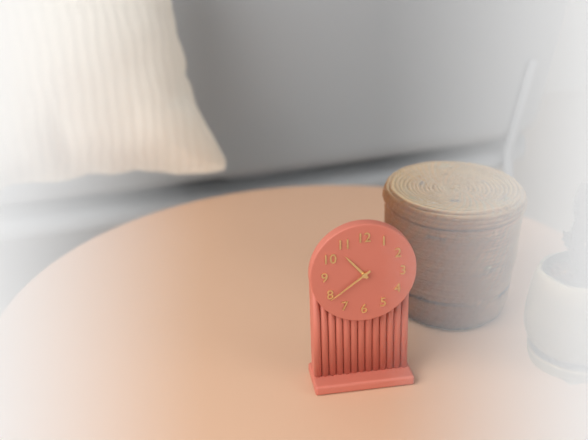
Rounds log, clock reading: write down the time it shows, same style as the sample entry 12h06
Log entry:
10h39
